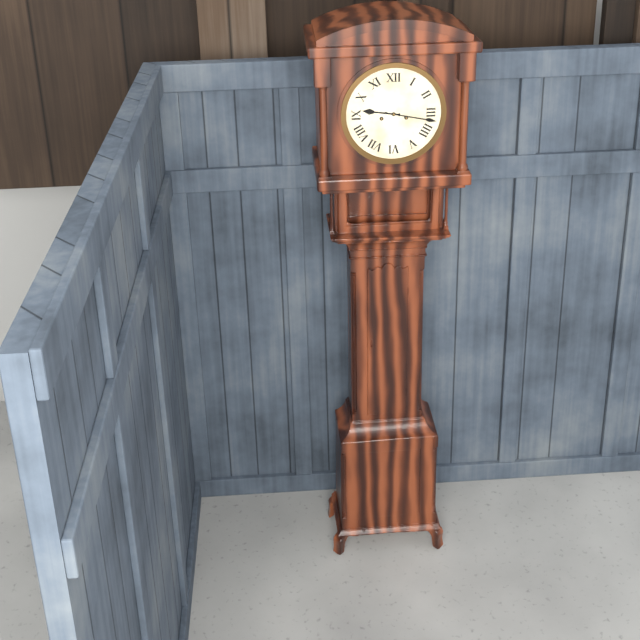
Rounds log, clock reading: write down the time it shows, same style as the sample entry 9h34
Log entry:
9h17
